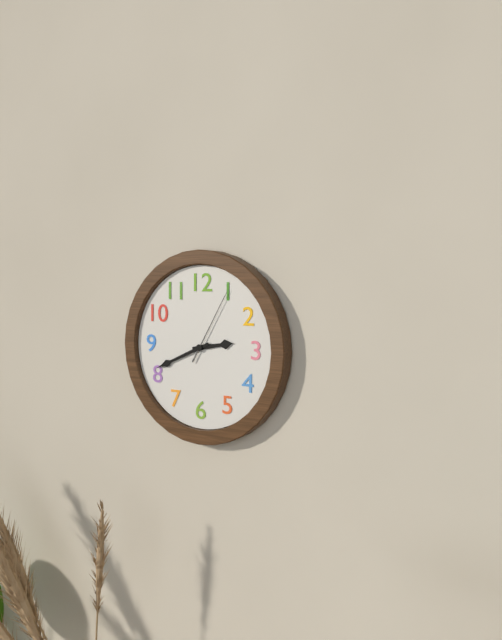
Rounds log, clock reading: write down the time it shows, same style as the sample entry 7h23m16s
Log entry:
2h41m05s
